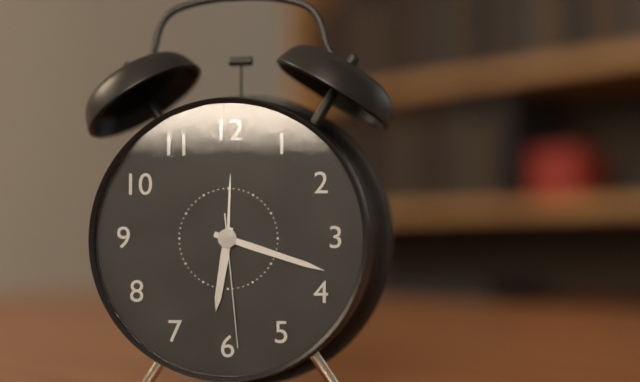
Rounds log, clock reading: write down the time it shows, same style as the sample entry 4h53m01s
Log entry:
6h18m29s
